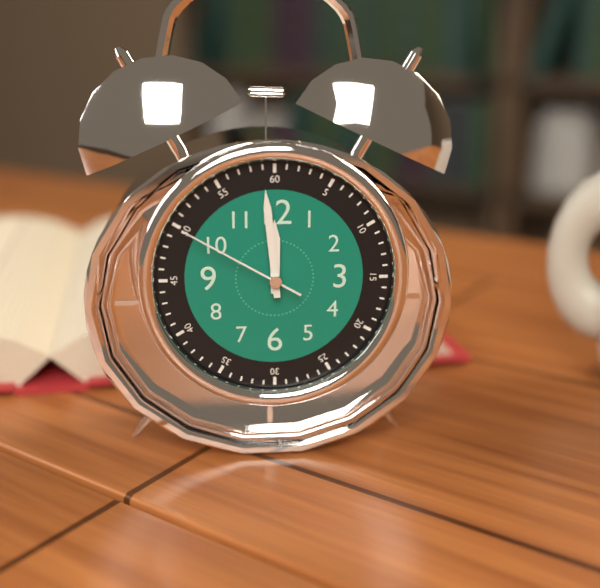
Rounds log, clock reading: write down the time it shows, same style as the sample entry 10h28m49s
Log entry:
11h59m50s
